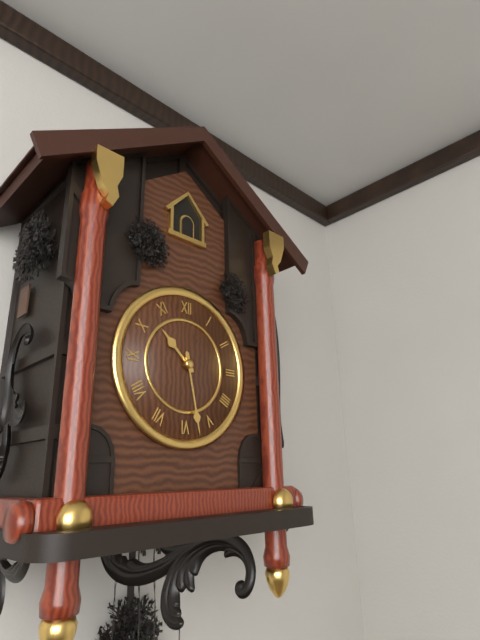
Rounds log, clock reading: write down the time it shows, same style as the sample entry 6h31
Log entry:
10h28
